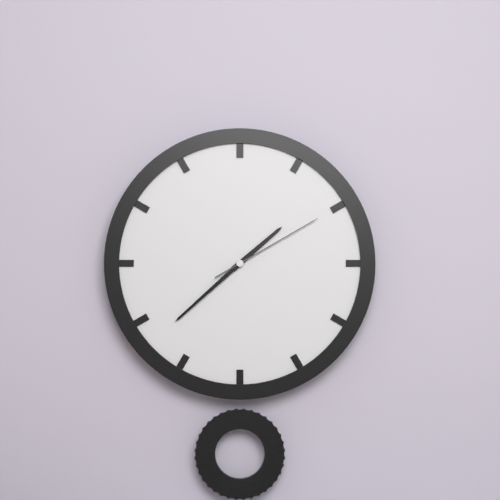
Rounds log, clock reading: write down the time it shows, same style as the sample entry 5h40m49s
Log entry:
1h38m10s
